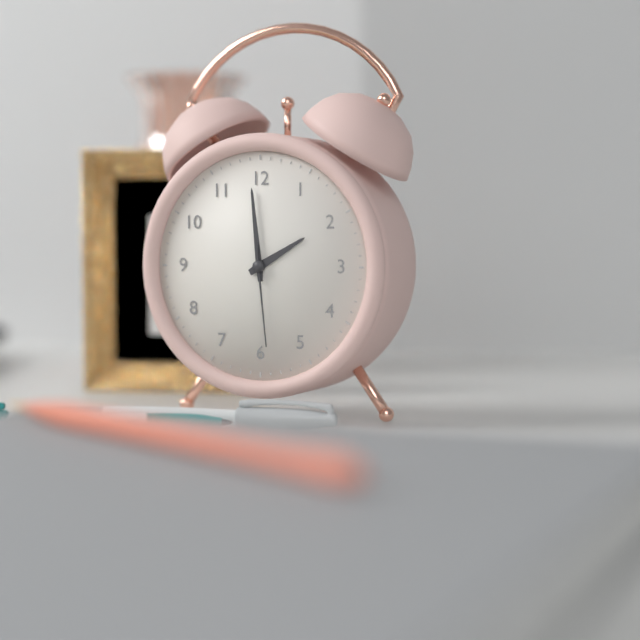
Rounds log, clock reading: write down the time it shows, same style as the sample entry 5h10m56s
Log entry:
1h59m29s
